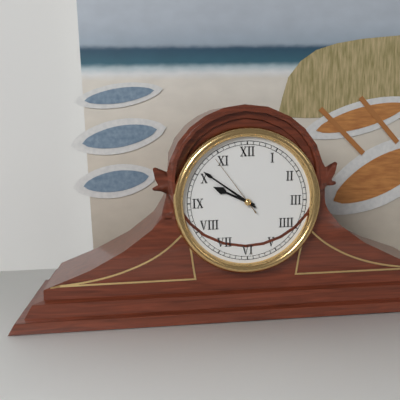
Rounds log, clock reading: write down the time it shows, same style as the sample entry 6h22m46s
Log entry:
9h51m54s
